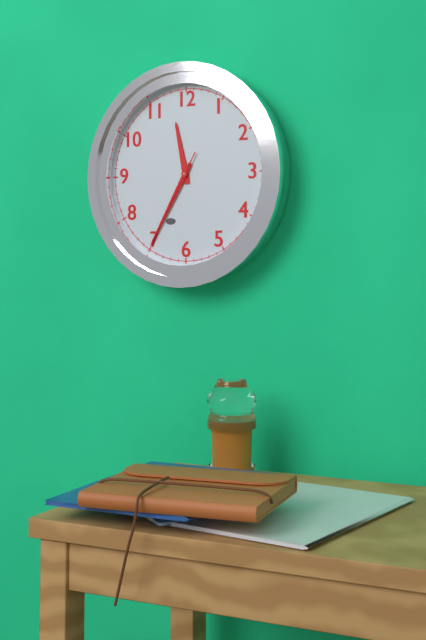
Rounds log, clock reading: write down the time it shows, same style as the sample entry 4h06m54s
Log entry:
11h35m35s
